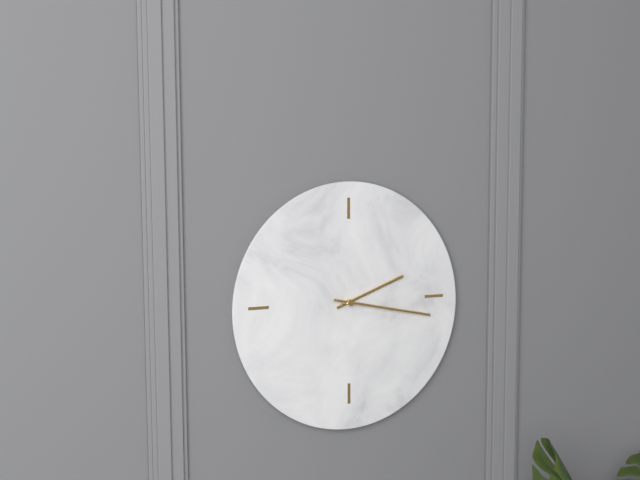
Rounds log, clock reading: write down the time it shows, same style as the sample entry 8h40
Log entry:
2h17
